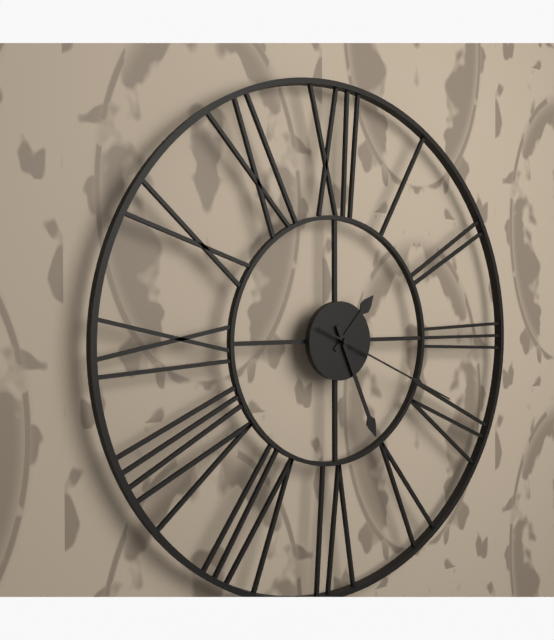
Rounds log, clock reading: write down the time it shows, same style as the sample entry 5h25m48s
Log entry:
1h26m19s
